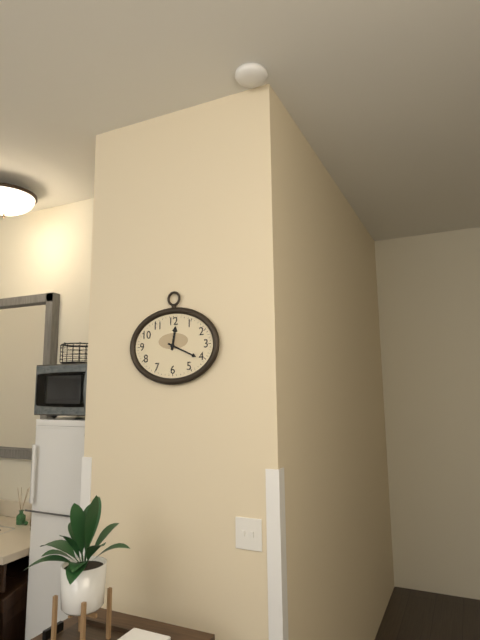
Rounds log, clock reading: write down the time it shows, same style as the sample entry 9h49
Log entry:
12h19
